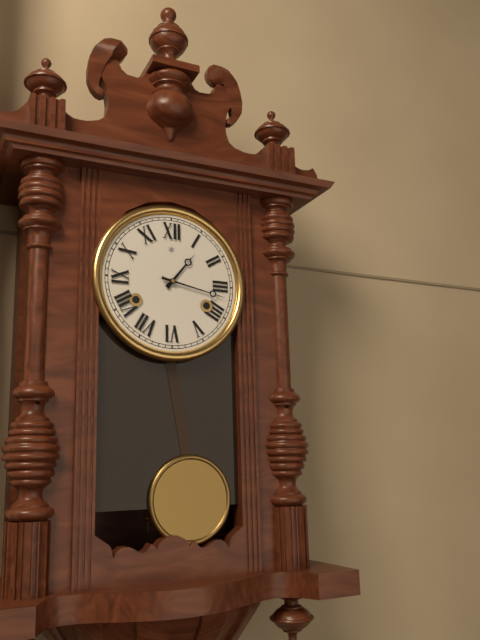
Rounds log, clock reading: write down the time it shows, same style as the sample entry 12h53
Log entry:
1h17
